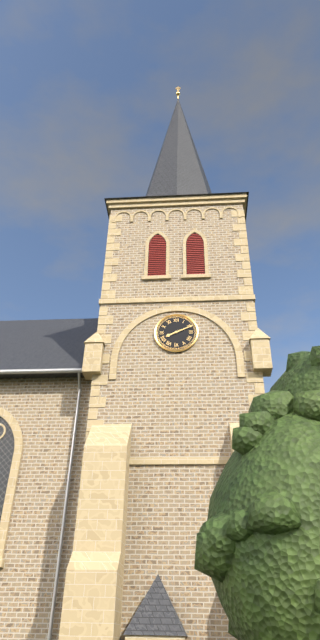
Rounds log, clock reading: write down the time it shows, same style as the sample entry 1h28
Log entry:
8h11
